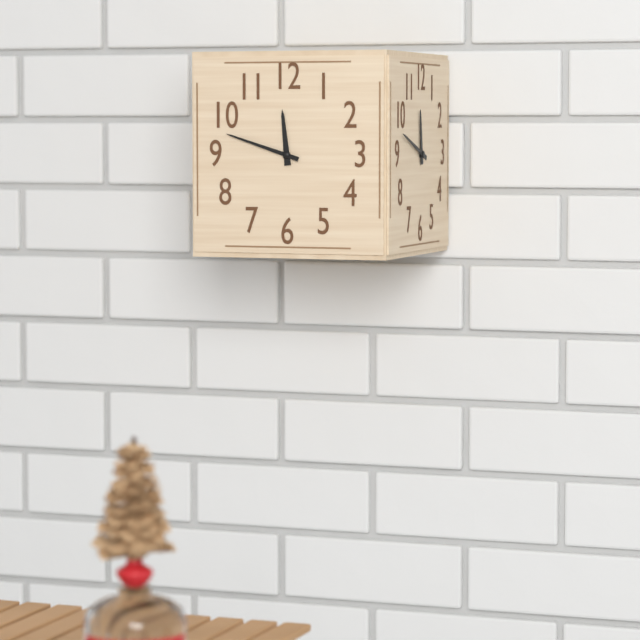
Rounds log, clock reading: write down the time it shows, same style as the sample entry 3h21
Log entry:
11h48
